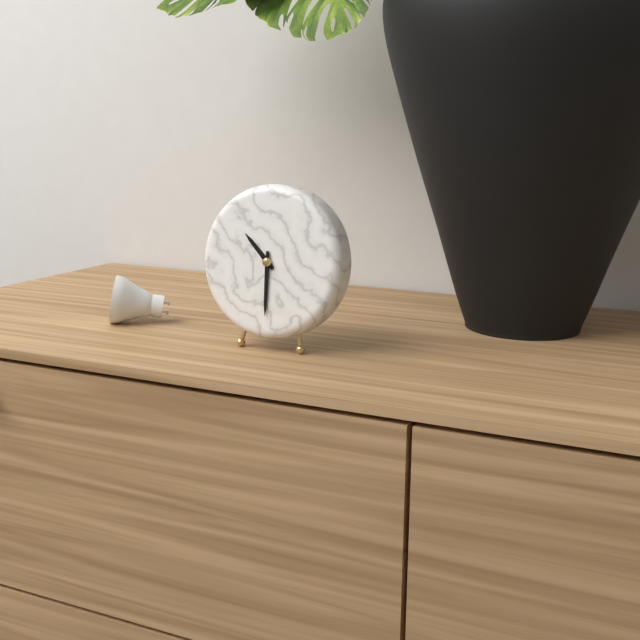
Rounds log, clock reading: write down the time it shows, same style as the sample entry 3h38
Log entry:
10h30
